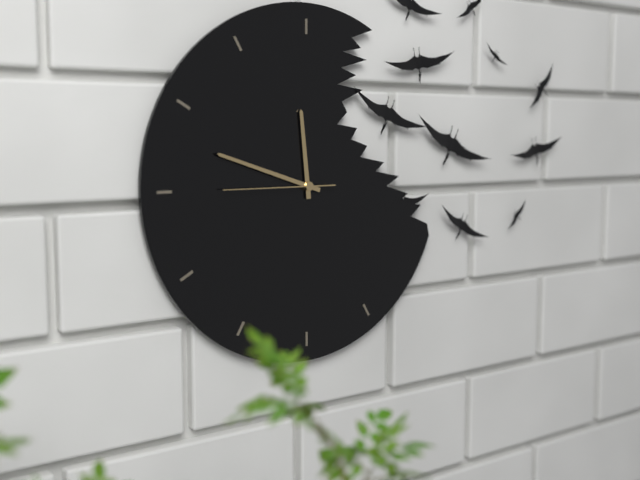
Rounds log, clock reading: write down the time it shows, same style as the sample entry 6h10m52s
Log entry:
11h48m45s
